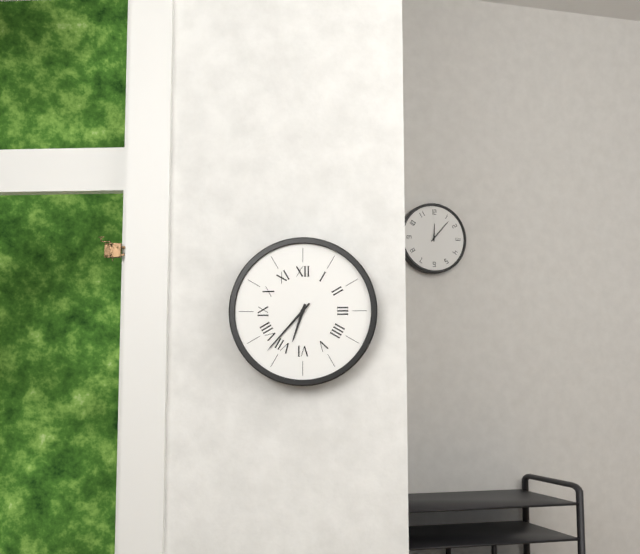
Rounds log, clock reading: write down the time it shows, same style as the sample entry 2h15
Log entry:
6h37
